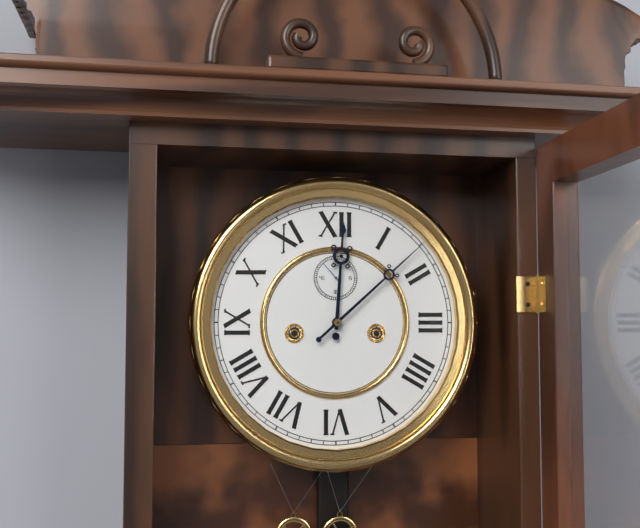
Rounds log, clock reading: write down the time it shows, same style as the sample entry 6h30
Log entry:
12h08
